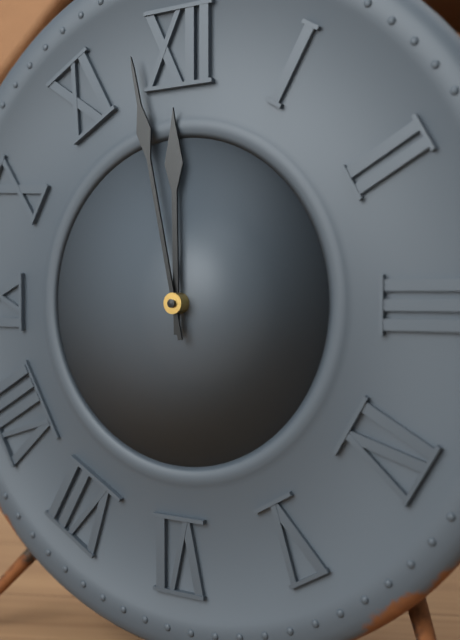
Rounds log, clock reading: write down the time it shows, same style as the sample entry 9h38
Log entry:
11h58
